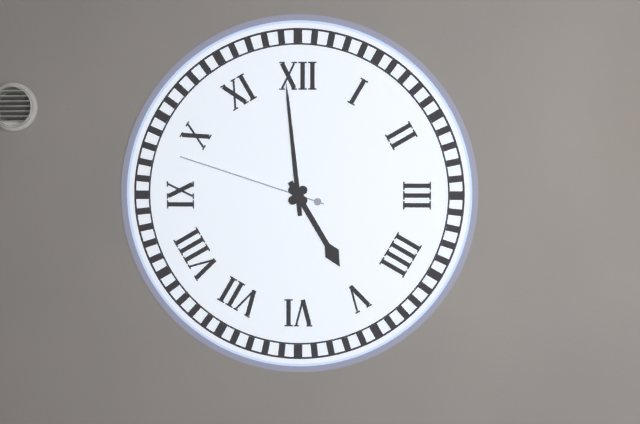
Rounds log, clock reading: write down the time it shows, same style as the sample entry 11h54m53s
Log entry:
4h59m48s
